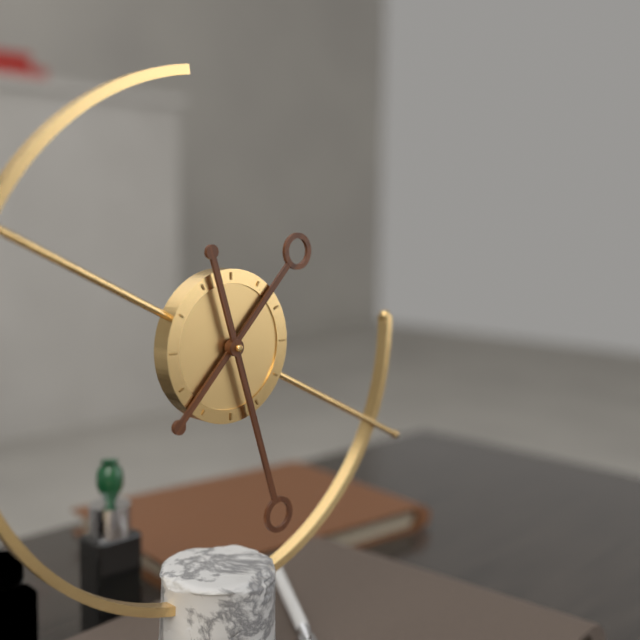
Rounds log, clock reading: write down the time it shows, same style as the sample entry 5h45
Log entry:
1h27
